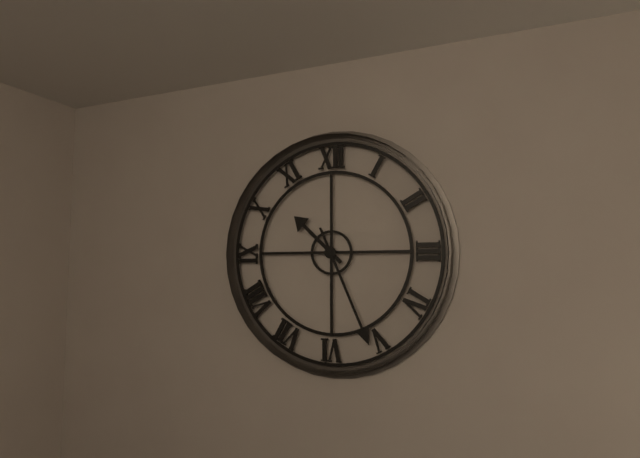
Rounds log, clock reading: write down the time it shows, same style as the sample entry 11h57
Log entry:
10h26
